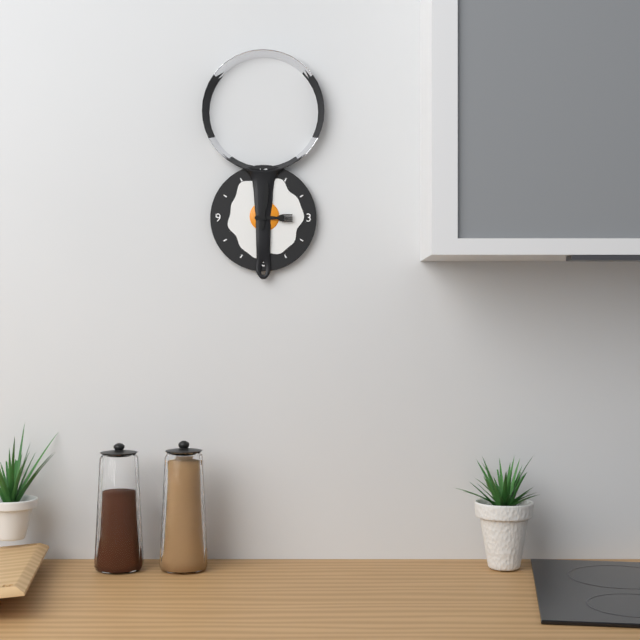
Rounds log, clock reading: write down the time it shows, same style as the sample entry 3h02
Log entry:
3h01
